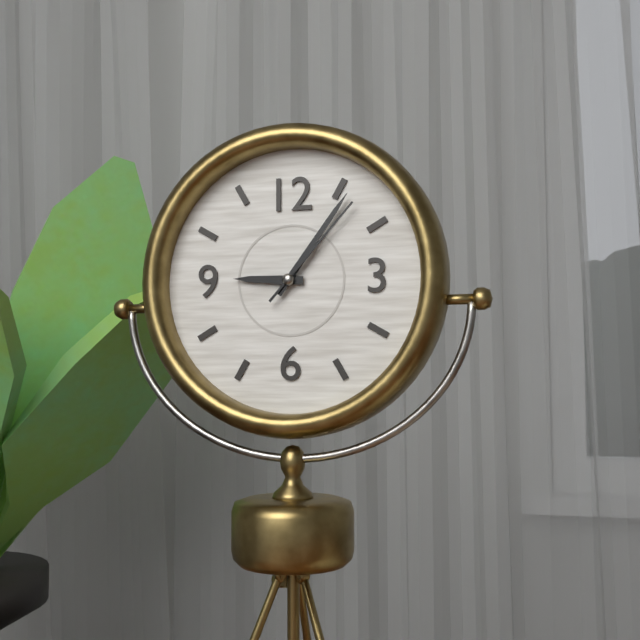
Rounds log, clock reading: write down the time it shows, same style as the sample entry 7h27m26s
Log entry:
9h06m07s
